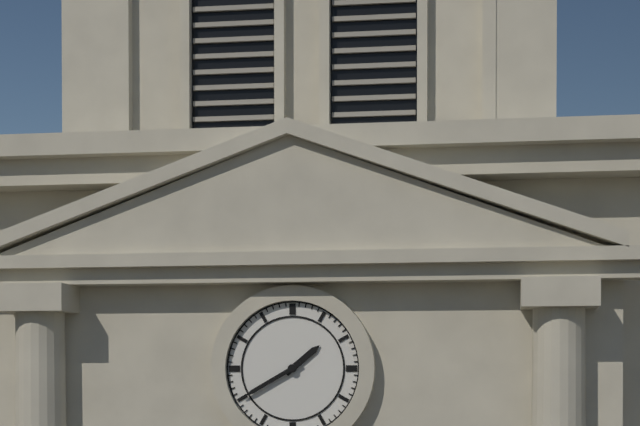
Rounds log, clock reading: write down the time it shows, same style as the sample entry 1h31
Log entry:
1h40
